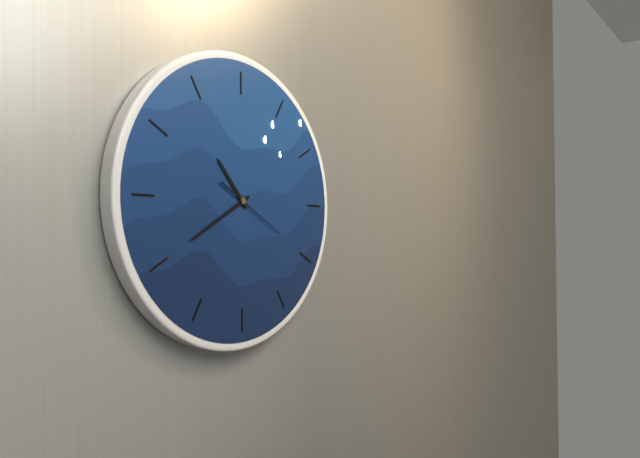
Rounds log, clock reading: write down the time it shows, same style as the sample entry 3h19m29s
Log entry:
10h40m20s
